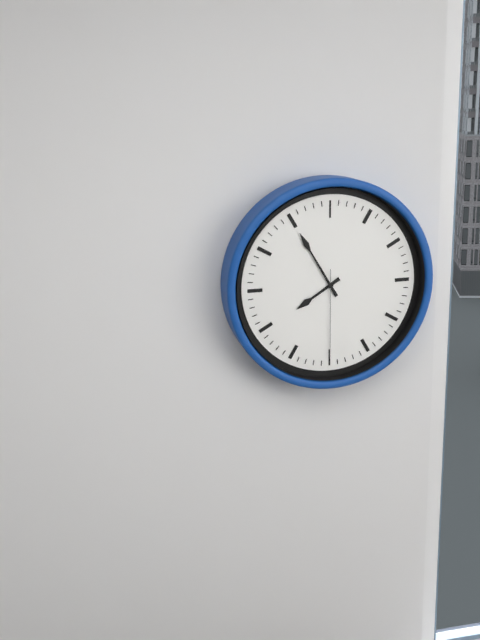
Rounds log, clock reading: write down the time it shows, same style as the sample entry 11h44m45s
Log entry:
7h55m30s
